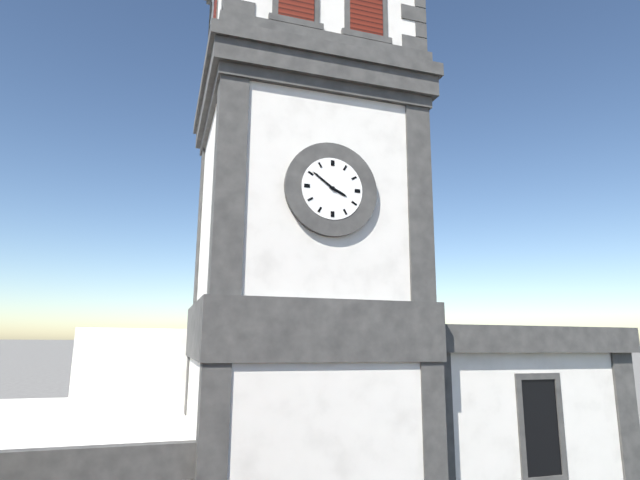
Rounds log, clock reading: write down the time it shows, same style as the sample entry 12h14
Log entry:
3h51
